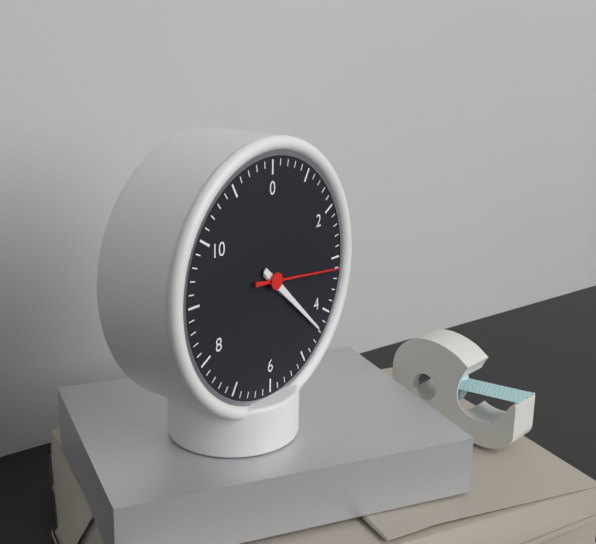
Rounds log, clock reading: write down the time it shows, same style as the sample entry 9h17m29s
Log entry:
4h22m16s
